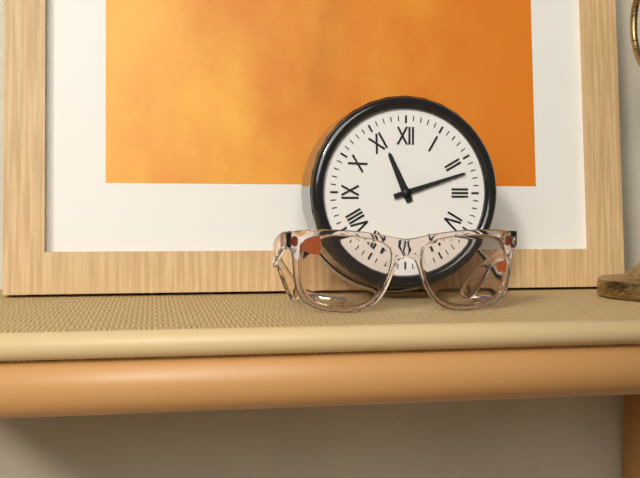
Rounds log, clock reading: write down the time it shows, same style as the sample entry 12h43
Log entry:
11h12
